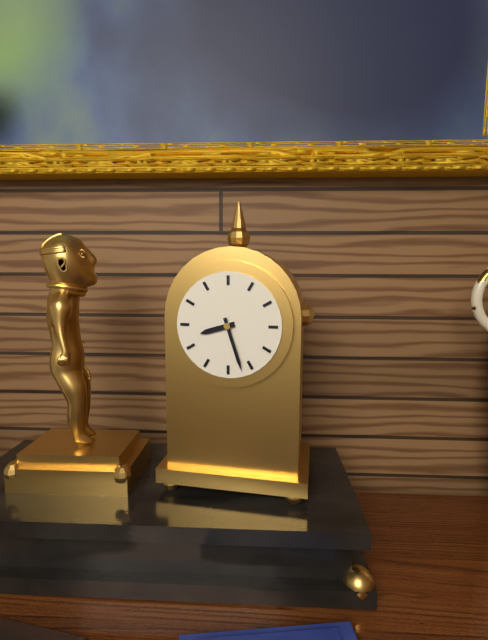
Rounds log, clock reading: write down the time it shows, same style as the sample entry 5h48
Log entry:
8h27
